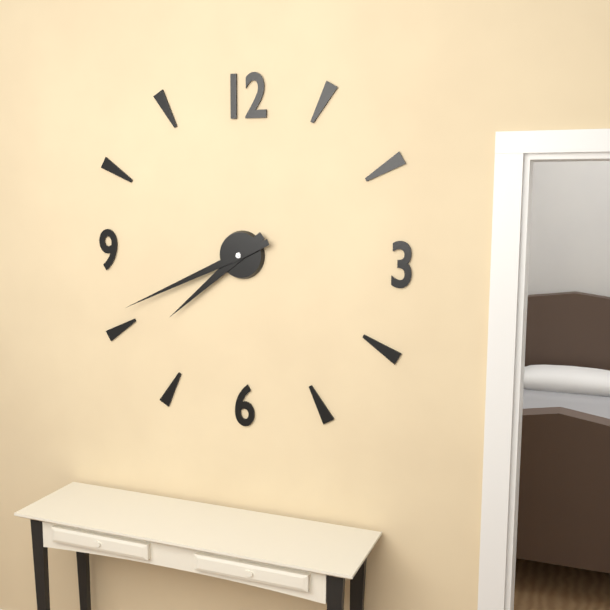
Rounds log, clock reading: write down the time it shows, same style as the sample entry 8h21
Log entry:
7h41
